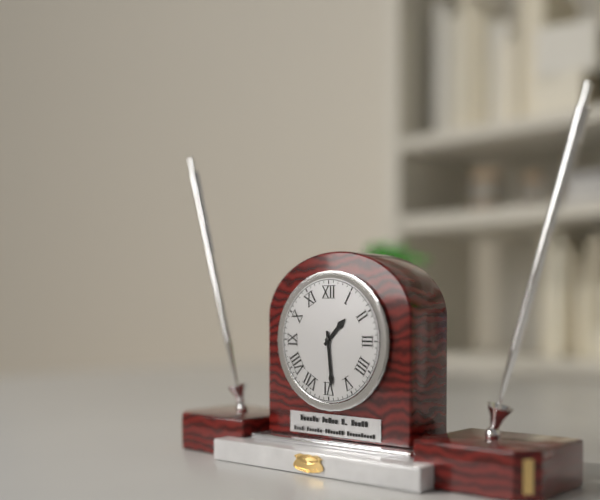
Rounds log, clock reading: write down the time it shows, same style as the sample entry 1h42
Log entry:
1h29
